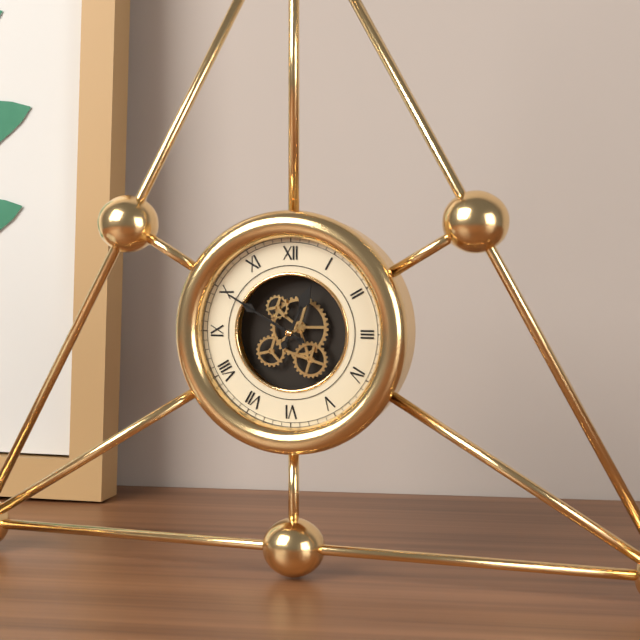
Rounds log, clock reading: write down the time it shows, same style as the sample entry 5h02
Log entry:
12h50
